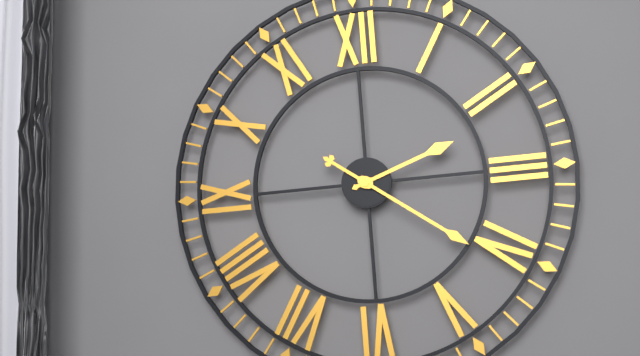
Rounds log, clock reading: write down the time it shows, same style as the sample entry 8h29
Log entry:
2h21
